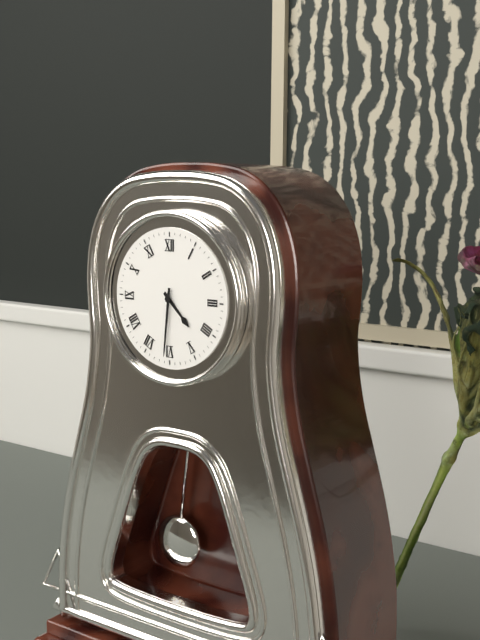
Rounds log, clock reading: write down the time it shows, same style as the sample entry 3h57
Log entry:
4h31
